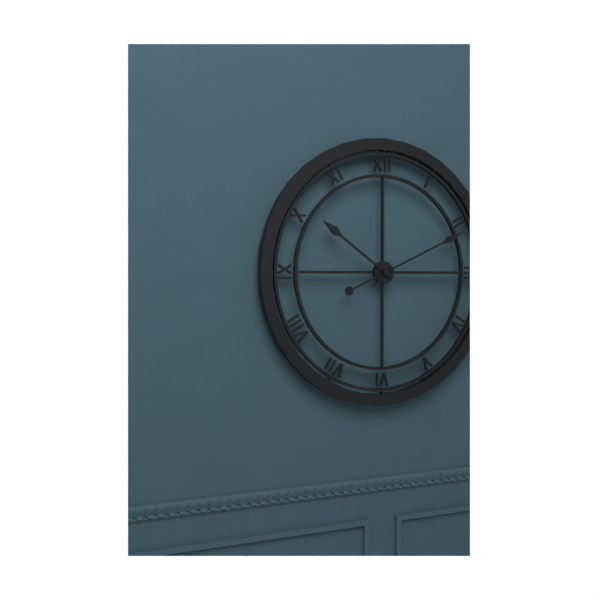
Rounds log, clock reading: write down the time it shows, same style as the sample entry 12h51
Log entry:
10h11
